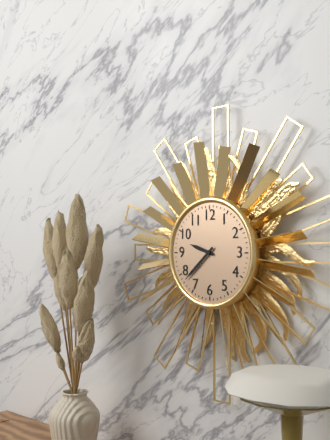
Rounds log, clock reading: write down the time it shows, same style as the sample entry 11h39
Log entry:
9h38
